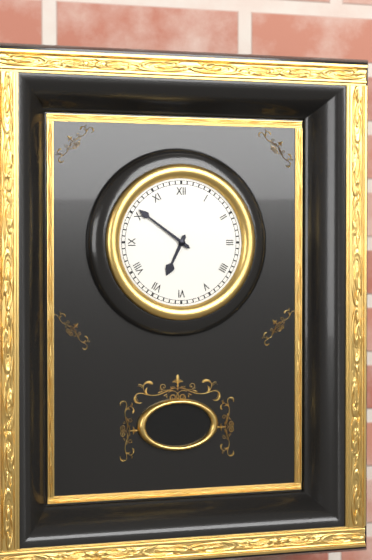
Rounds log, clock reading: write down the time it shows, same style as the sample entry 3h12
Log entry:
6h51
